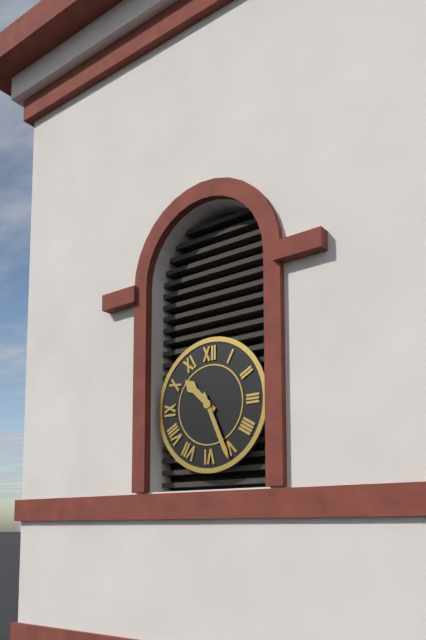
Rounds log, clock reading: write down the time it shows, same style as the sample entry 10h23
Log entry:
10h26
